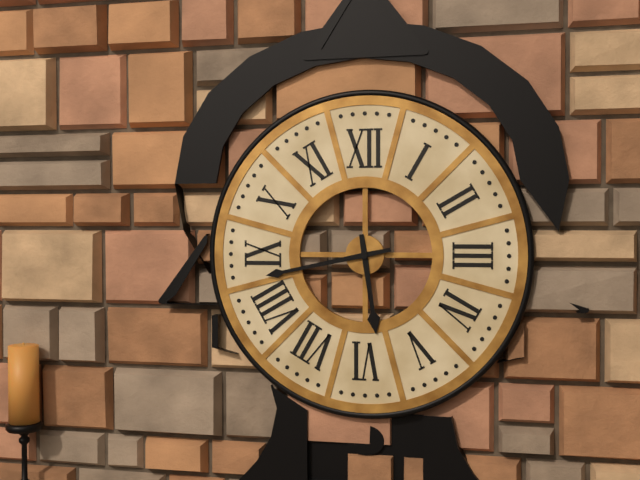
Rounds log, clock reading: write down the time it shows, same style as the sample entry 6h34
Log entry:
5h43
